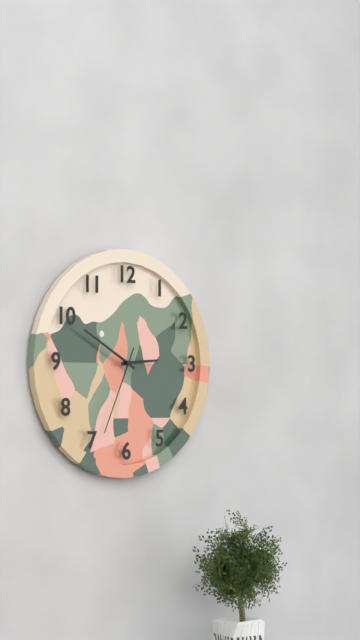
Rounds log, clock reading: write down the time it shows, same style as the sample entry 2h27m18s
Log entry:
2h50m34s
